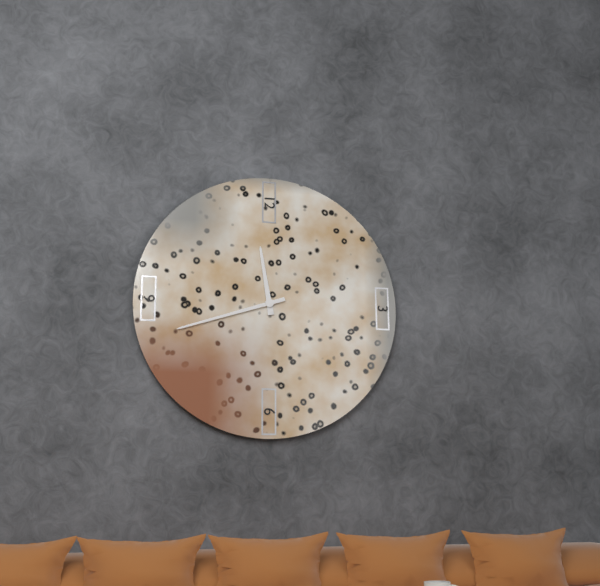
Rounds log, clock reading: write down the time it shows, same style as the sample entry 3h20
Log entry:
11h42
